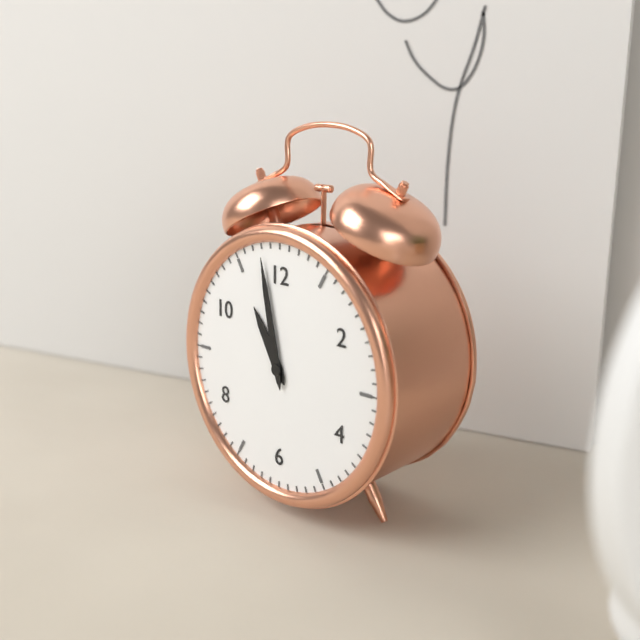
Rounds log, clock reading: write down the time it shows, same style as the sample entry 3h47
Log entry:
10h58
